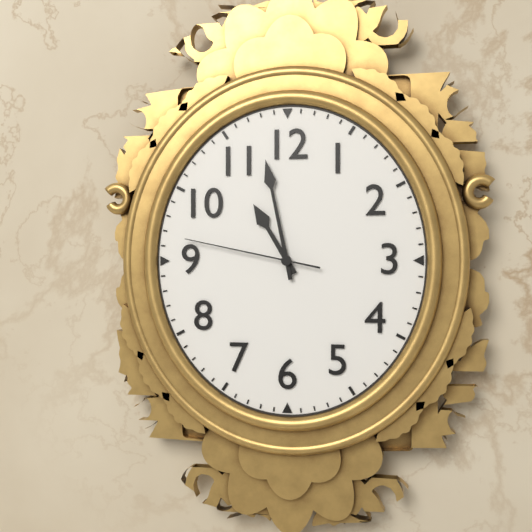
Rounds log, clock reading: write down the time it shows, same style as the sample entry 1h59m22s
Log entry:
10h58m47s
